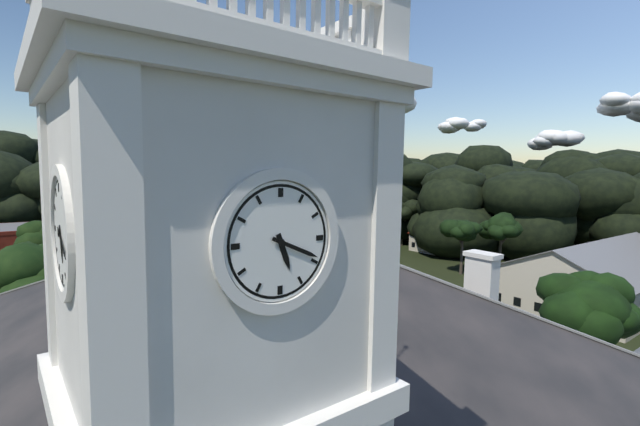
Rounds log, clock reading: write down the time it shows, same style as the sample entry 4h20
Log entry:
5h19
